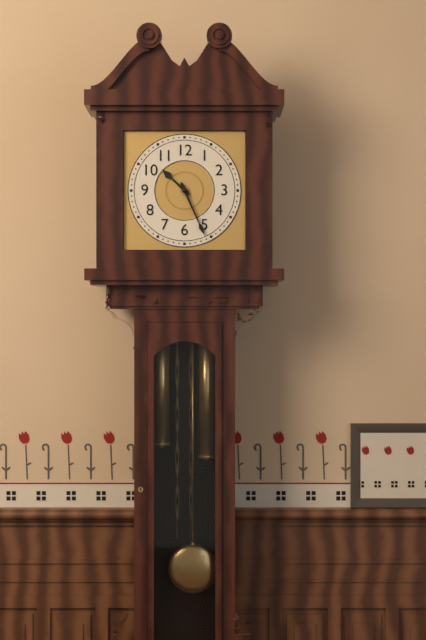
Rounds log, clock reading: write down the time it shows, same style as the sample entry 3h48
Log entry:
10h26
